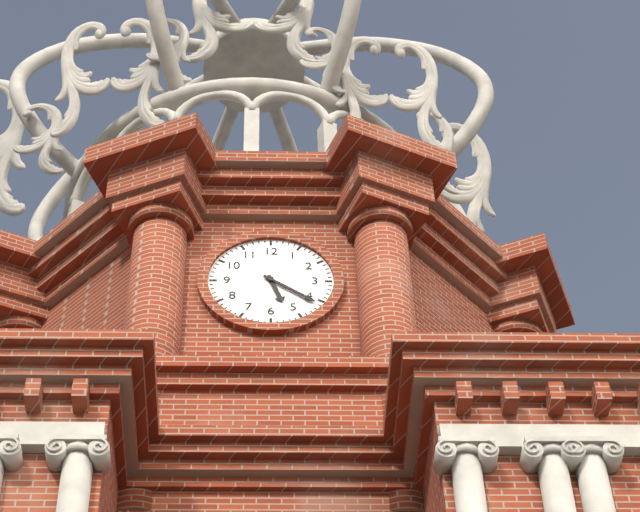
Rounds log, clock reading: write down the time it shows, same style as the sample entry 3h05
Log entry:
5h21
